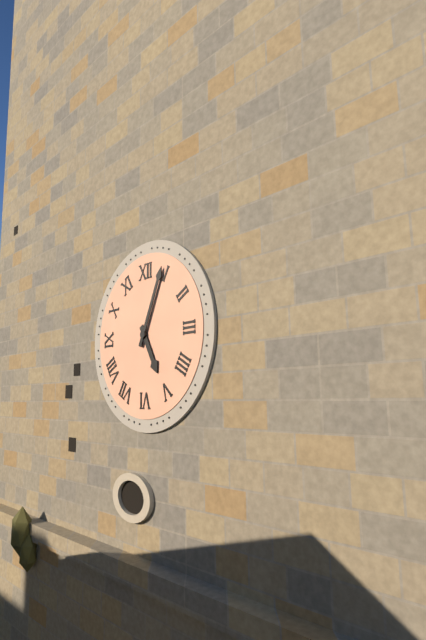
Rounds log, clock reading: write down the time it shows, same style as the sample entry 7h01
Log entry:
5h04
